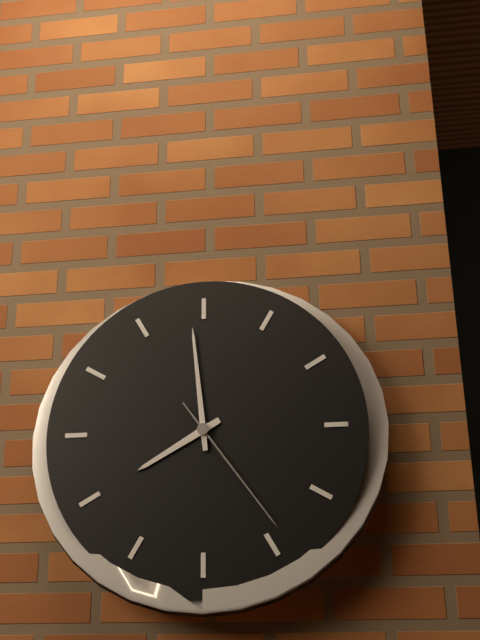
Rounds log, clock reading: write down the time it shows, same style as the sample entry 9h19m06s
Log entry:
7h59m24s
